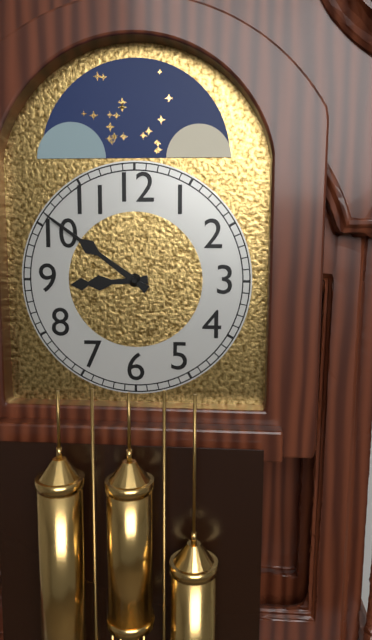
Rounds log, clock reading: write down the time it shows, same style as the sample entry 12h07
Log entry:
8h51
